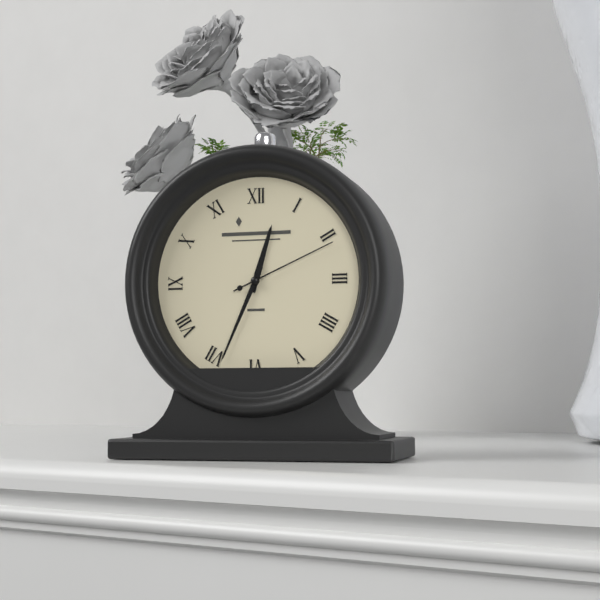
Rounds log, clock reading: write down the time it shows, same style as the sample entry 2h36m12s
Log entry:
12h34m11s
